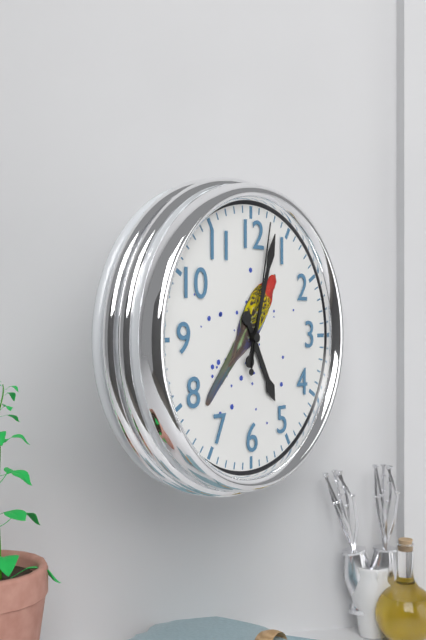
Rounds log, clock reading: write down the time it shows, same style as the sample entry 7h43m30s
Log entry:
5h03m02s
